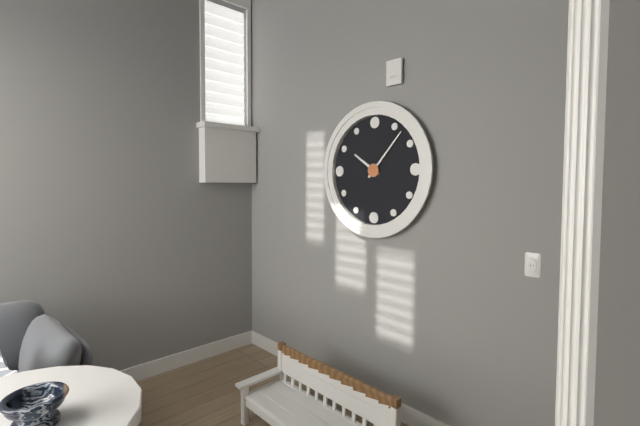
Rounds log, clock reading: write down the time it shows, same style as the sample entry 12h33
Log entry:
10h07
